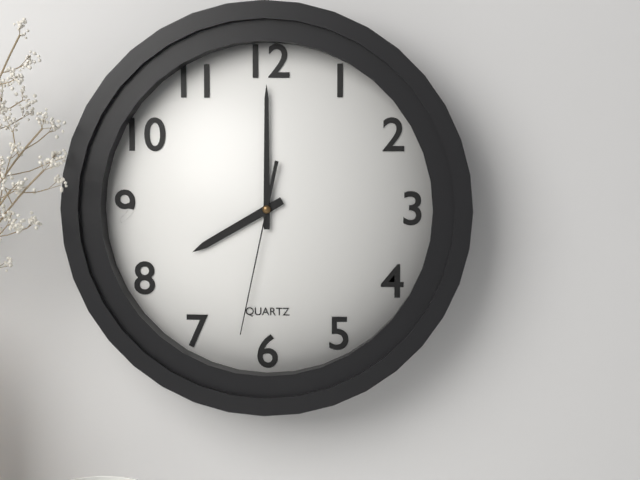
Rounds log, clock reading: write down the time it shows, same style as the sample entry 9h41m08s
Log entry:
8h00m32s
